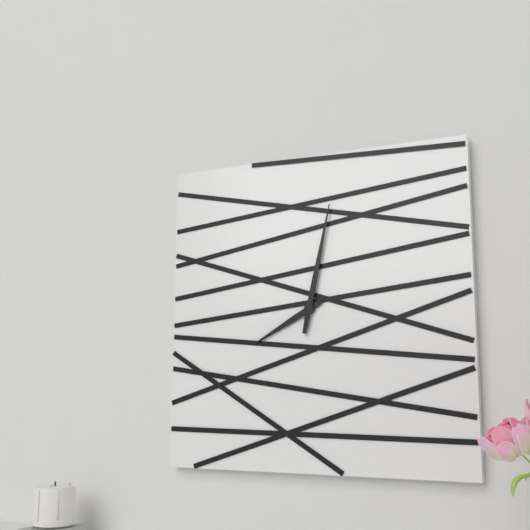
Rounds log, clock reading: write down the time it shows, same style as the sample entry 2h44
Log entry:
8h02
